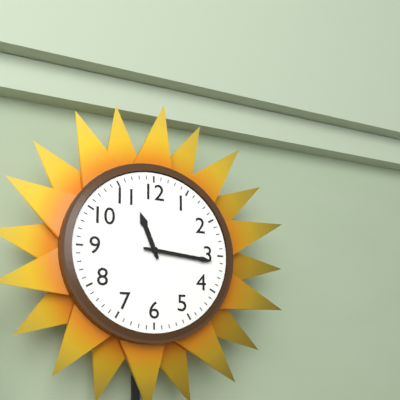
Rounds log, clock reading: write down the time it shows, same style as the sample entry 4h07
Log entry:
11h16
